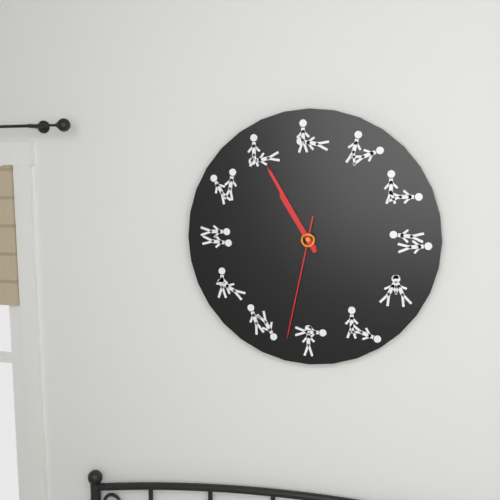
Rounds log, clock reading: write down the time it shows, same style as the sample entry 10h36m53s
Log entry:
10h55m32s
